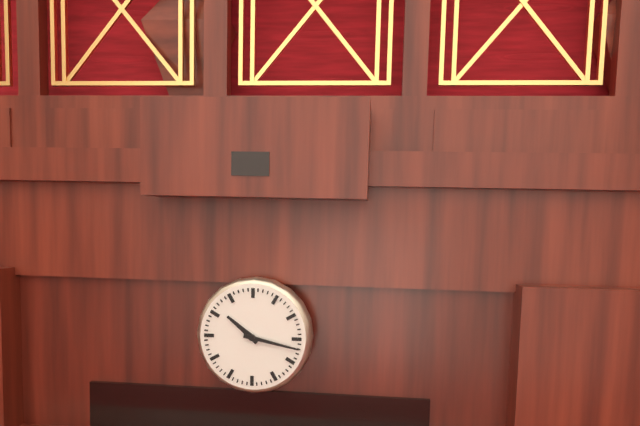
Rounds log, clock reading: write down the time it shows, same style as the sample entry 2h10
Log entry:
10h17
